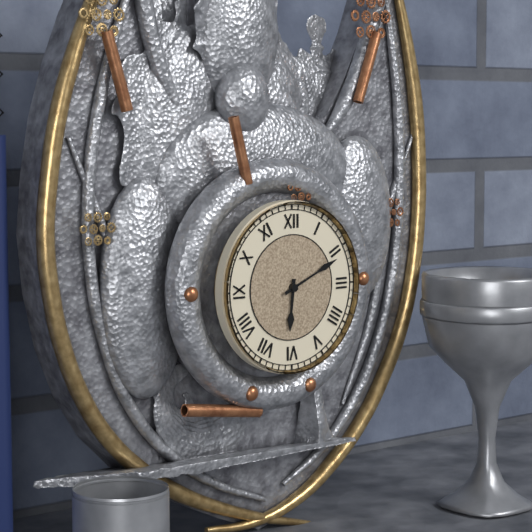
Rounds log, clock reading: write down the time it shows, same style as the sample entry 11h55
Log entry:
6h11
